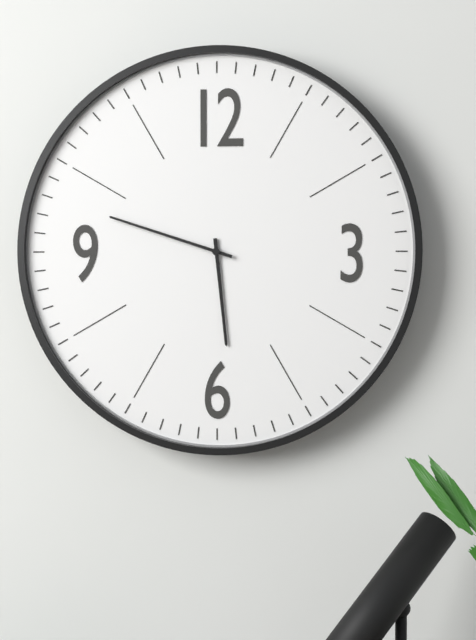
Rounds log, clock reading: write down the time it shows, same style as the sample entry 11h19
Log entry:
5h48
